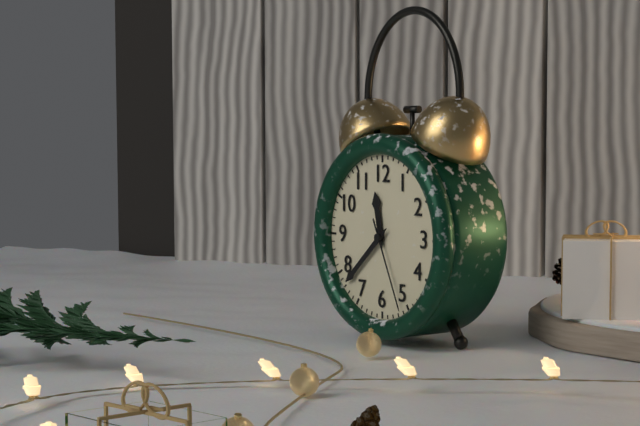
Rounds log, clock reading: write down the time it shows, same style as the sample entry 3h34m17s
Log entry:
11h38m26s
